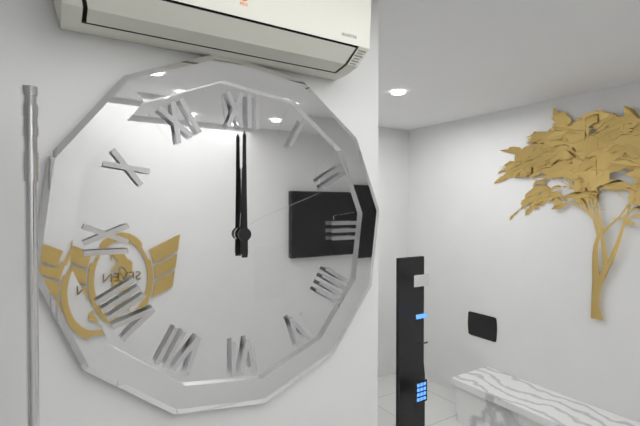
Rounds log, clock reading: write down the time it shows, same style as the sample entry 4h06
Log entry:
12h00
